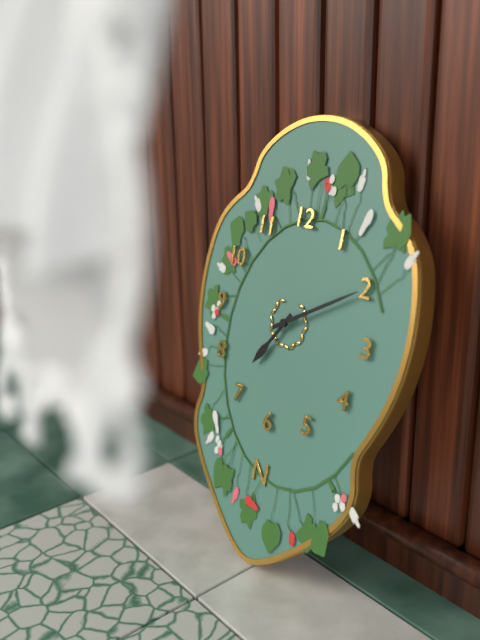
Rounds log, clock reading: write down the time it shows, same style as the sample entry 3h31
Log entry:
7h10
